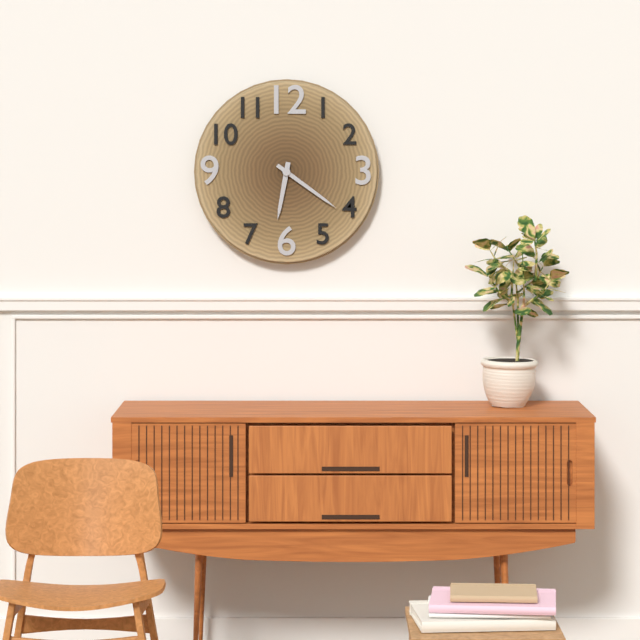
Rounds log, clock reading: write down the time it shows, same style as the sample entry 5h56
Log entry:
6h21
